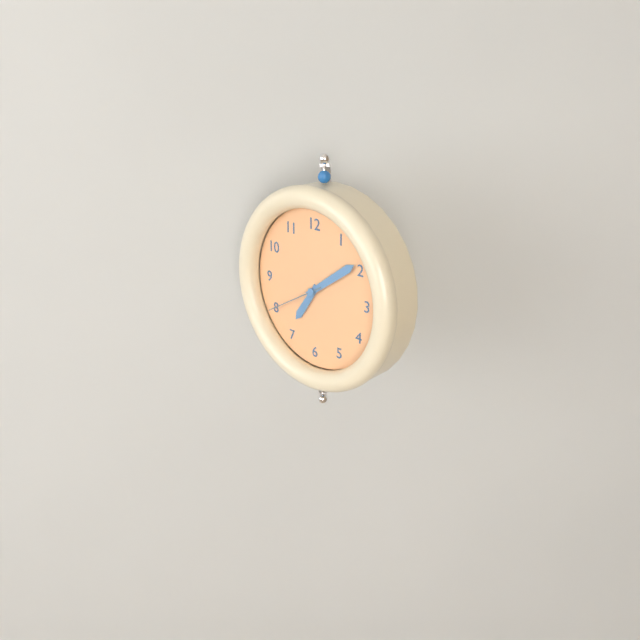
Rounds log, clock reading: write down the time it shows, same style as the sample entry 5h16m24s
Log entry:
7h09m40s
